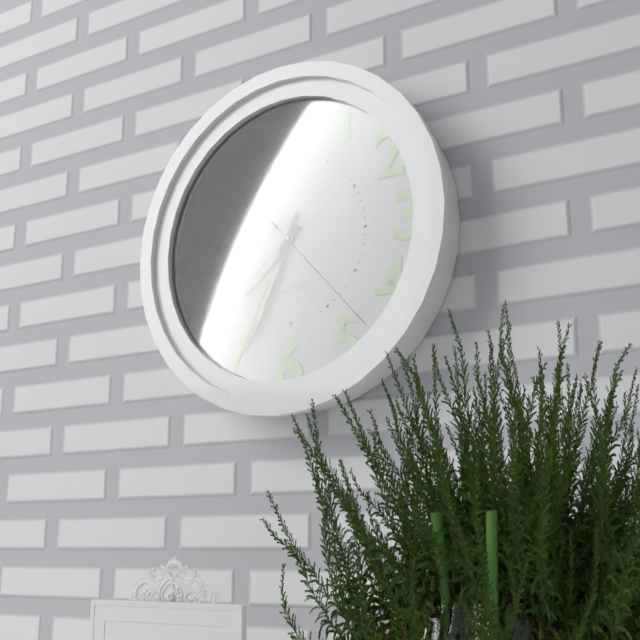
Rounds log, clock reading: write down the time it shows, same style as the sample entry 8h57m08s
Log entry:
7h34m23s
